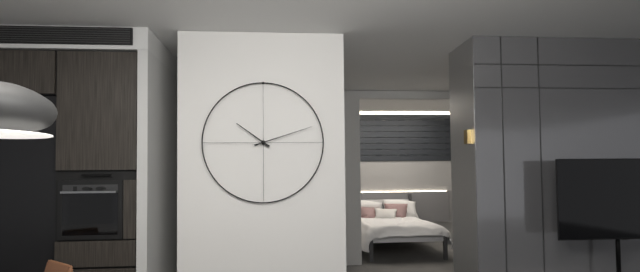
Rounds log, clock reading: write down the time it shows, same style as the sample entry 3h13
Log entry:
10h12
